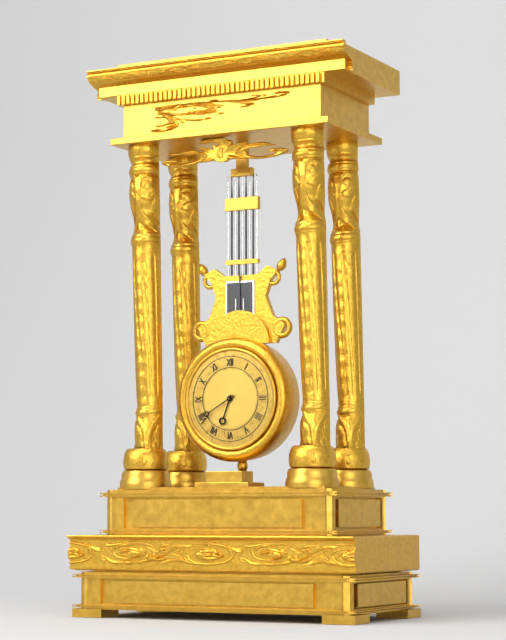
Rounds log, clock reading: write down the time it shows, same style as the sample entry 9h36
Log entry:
6h40
